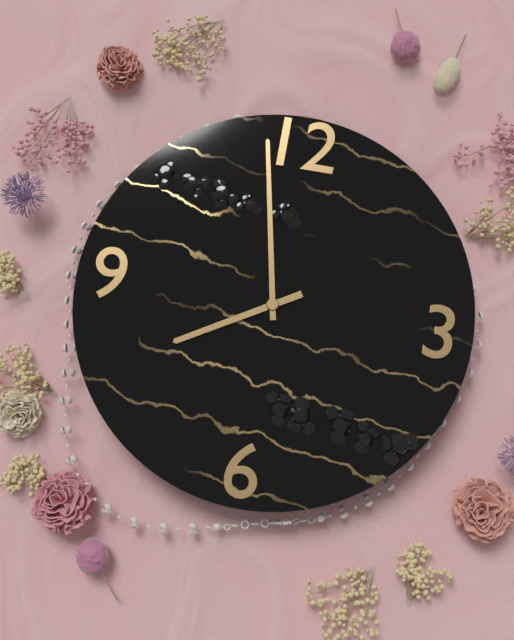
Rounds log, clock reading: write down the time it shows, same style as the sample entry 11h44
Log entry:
7h58
